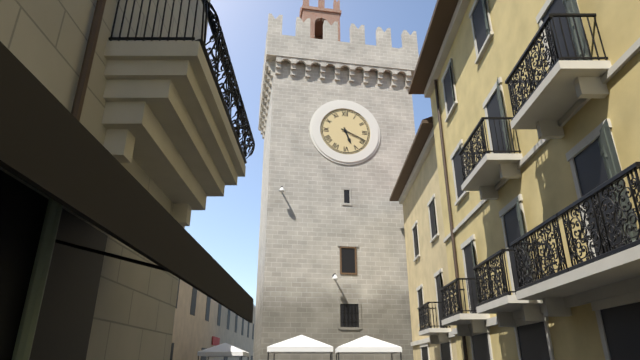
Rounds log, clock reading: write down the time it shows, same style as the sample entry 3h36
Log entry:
5h19
